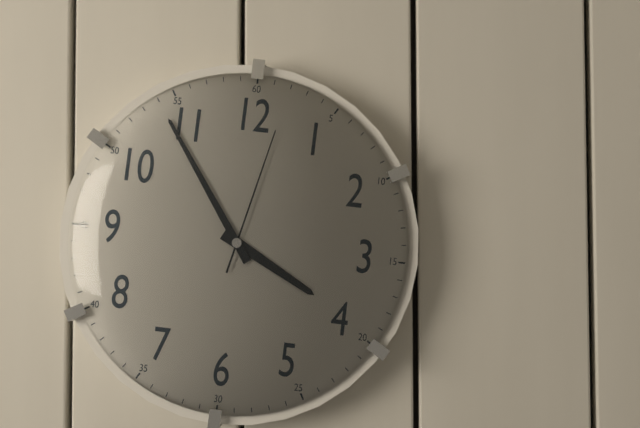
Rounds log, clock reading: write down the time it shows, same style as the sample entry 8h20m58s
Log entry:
3h54m02s
